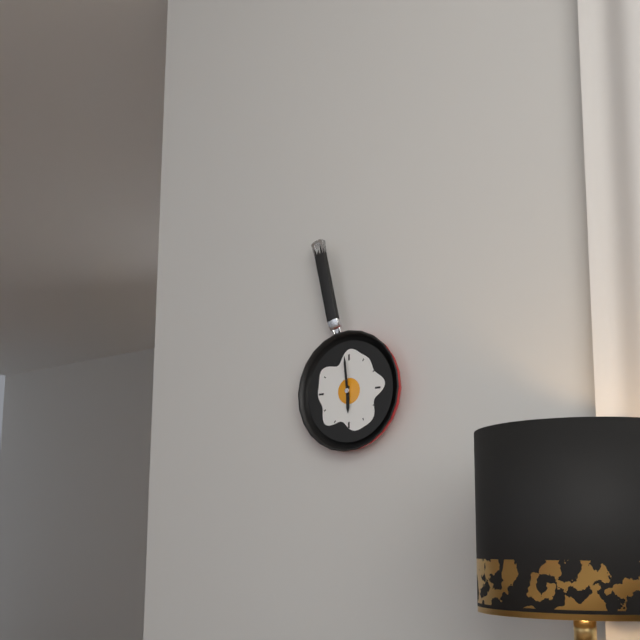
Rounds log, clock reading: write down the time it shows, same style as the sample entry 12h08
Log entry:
5h59
